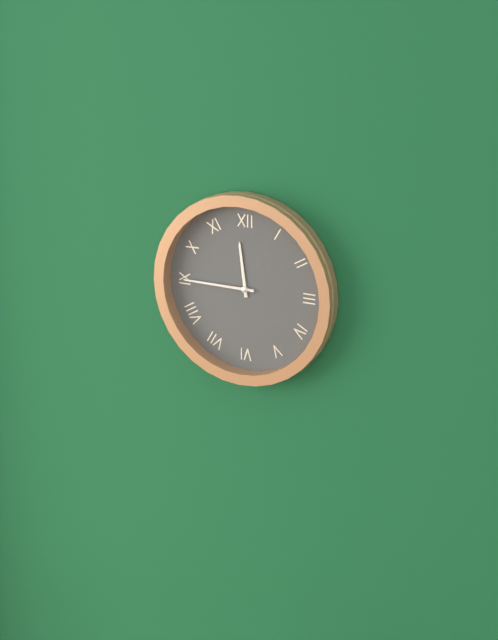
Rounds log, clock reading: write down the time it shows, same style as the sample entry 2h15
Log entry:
11h45
